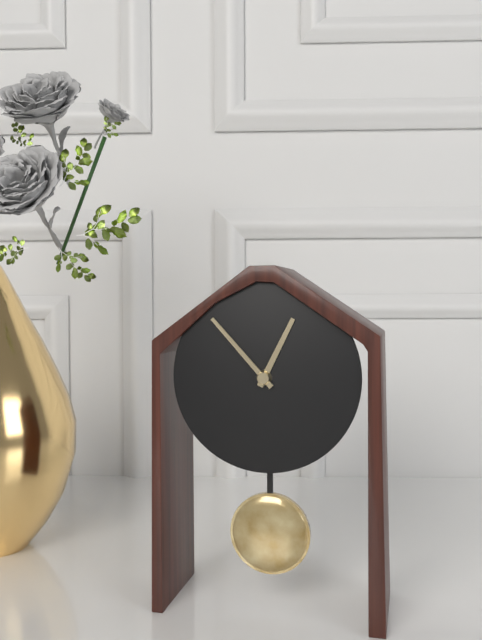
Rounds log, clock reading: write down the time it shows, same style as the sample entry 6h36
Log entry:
12h53
